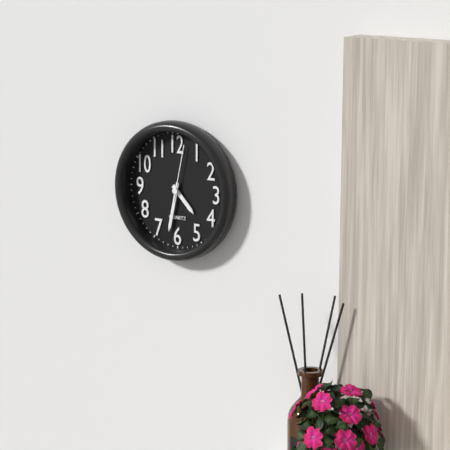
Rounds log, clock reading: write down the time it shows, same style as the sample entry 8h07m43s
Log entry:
4h32m02s
